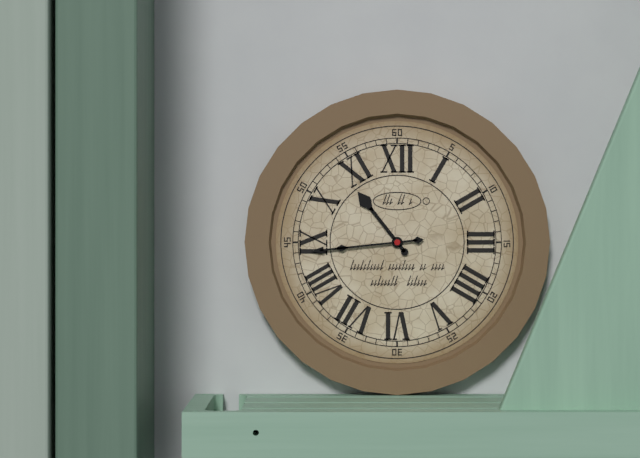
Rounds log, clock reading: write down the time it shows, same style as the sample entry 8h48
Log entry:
10h44
